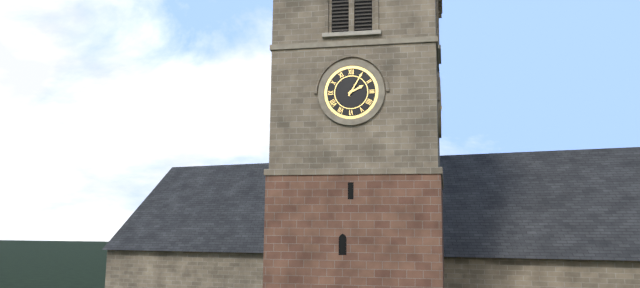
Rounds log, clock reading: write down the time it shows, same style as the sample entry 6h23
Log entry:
2h05
